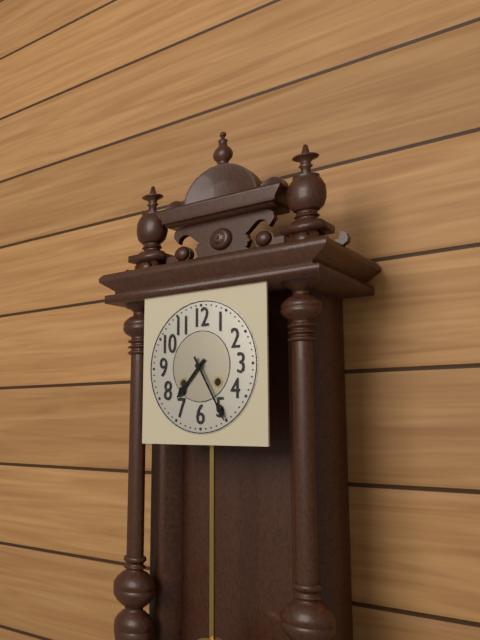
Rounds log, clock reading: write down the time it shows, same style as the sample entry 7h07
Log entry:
7h25
